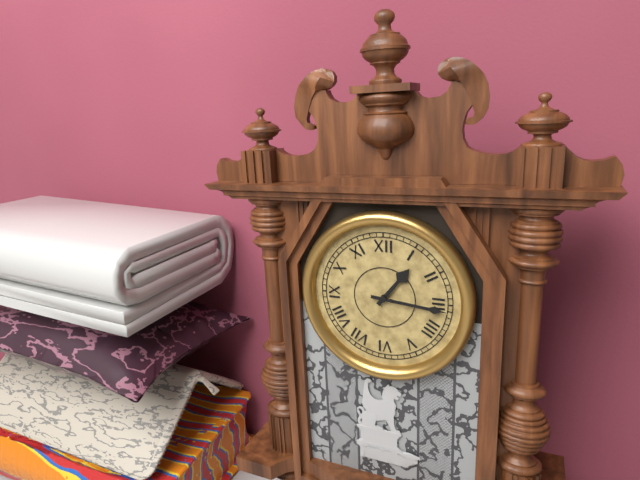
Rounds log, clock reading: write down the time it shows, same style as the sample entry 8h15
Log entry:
1h16
